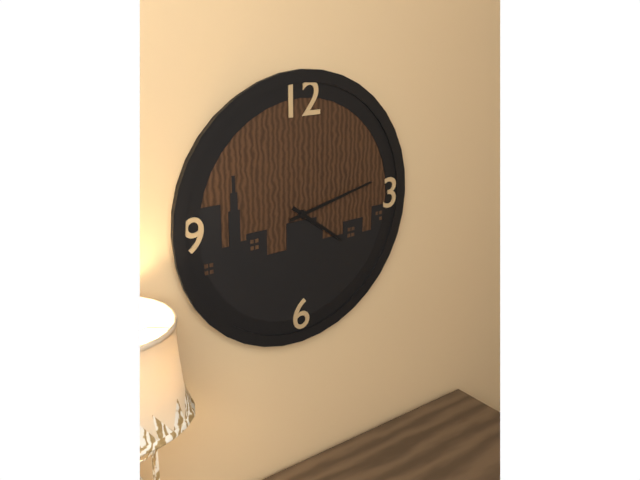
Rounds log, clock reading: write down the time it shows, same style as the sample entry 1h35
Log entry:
4h13
